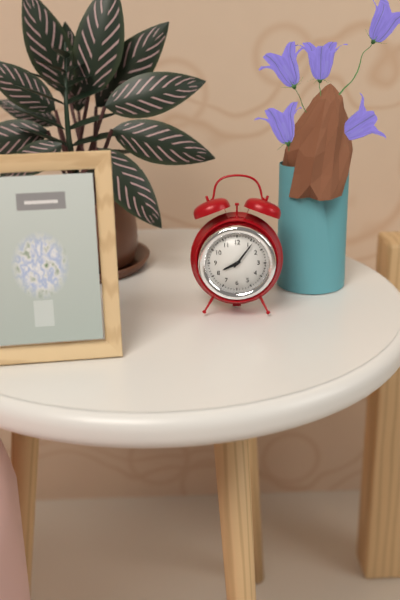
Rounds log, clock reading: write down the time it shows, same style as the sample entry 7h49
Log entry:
8h06
